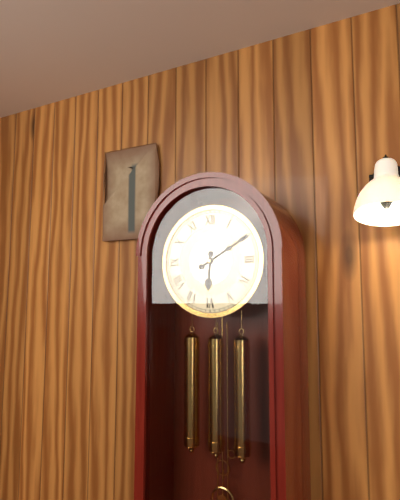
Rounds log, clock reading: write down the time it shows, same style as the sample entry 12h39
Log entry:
6h10
